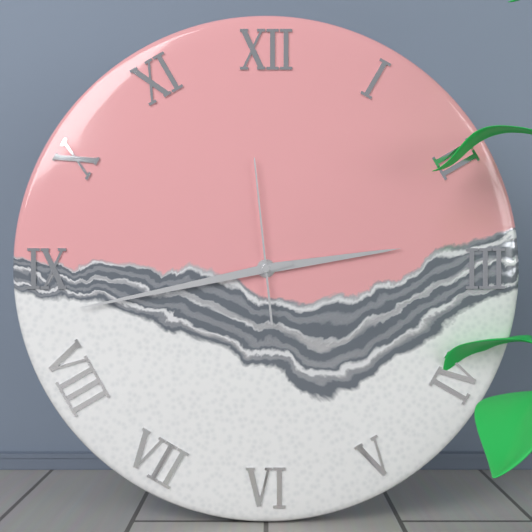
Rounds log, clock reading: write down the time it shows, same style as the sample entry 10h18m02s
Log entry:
2h43m59s
